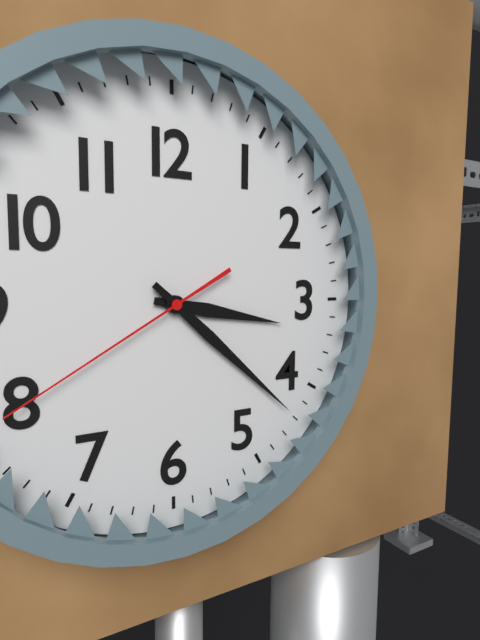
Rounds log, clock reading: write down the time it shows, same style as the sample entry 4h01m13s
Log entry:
3h22m40s
